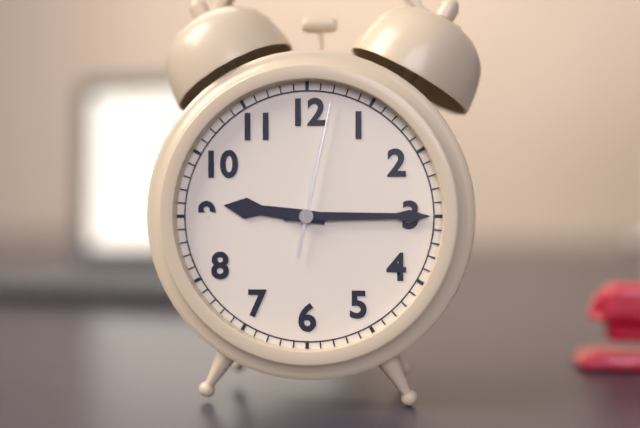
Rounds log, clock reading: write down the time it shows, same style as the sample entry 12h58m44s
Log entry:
9h15m02s
